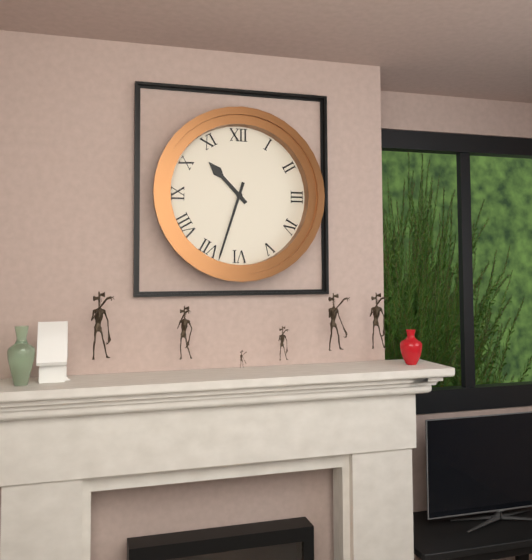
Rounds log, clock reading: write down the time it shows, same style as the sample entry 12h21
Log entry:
10h33
